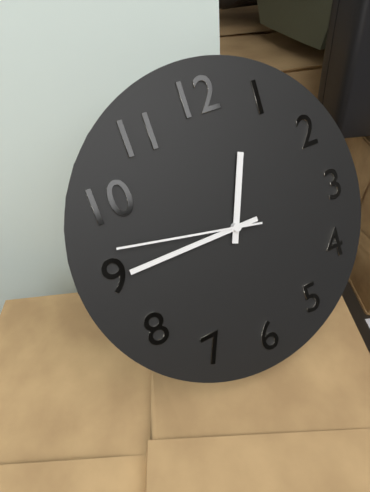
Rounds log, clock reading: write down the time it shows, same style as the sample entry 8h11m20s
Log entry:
12h45m47s
